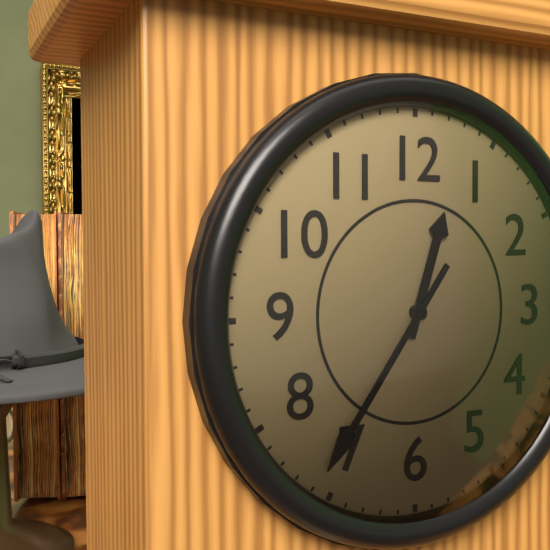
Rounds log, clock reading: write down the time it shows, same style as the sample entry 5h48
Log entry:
12h36
